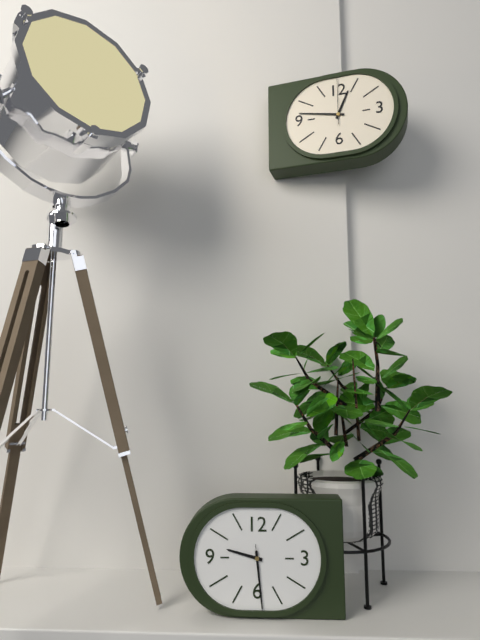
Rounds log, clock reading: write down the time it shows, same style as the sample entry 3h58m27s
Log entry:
9h29m29s
